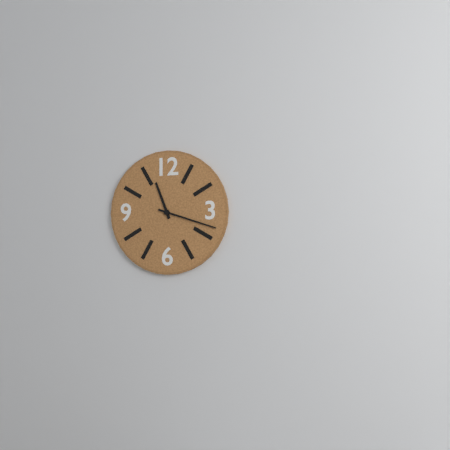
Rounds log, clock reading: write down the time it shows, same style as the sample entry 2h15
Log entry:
11h18
